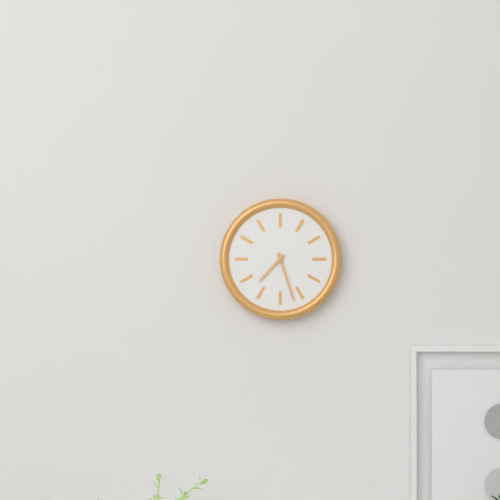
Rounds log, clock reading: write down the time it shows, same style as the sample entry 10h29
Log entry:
7h27
